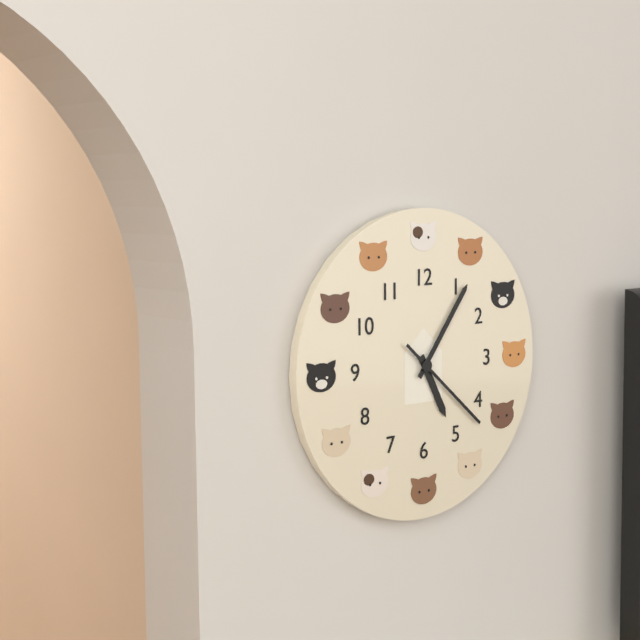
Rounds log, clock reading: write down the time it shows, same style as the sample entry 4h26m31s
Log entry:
5h06m22s
